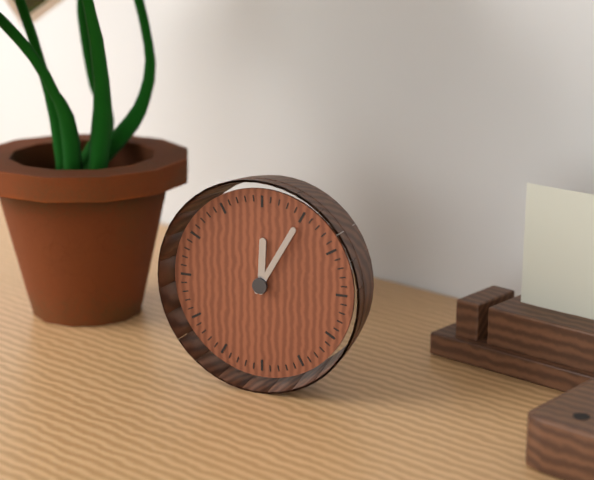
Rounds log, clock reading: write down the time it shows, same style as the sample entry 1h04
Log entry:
12h05
